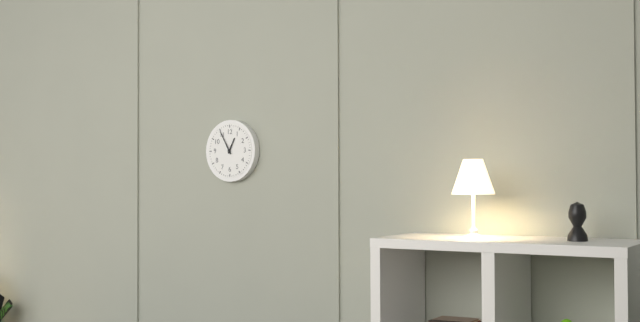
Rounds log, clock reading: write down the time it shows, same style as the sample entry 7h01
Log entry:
12h55
